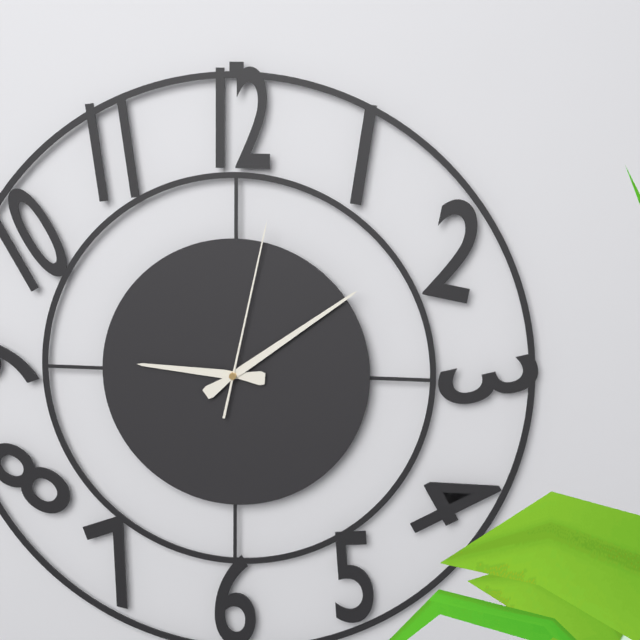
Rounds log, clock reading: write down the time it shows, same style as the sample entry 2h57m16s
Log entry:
9h09m02s
